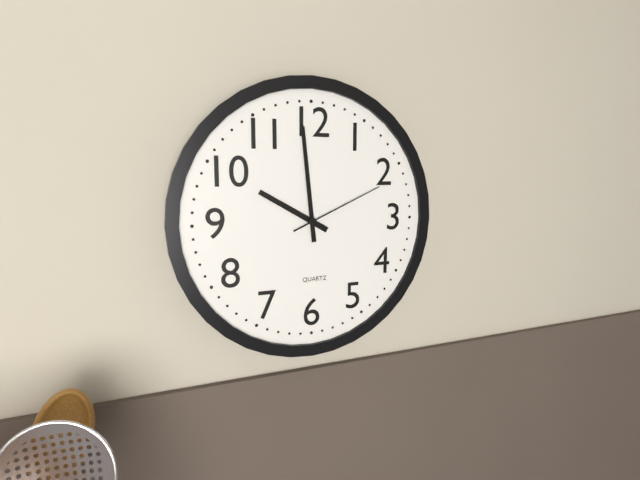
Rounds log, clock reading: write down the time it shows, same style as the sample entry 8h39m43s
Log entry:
9h59m11s
